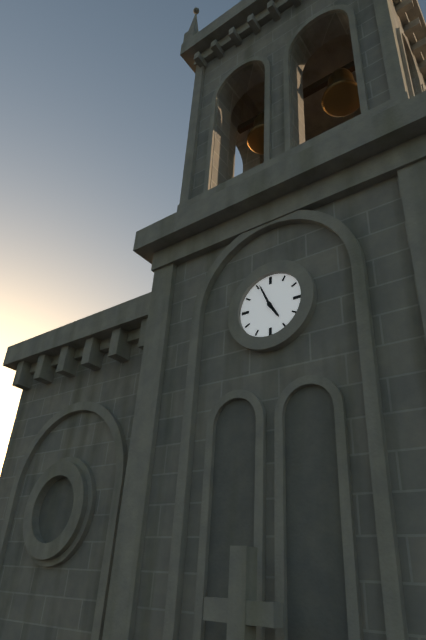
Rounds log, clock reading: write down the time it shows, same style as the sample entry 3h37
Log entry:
4h56
